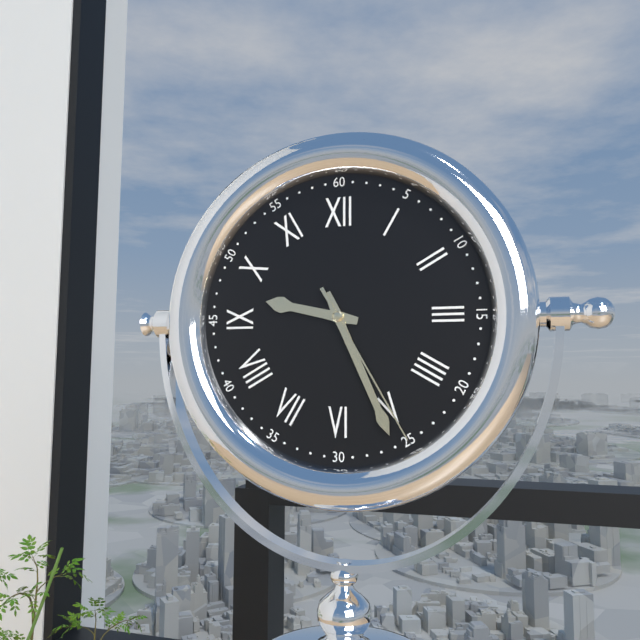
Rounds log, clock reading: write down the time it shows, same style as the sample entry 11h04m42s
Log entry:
9h26m25s
